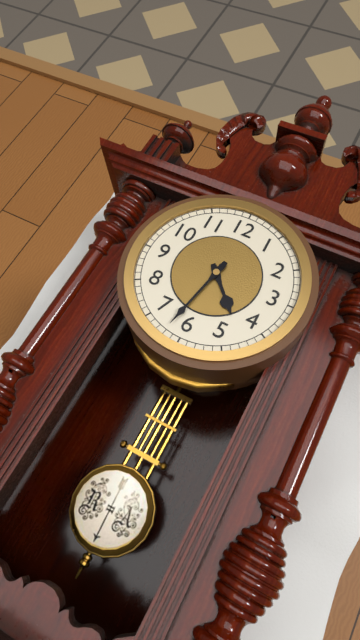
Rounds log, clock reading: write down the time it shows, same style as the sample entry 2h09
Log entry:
4h32
